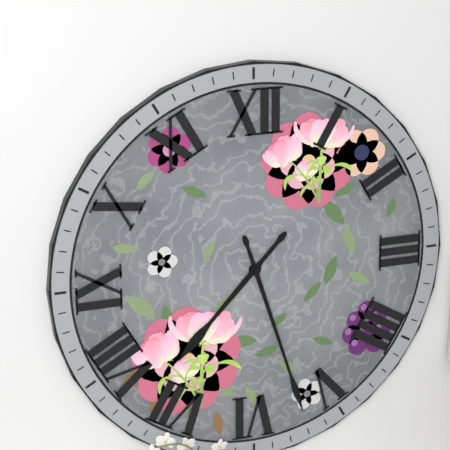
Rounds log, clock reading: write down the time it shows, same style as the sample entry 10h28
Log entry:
7h27
